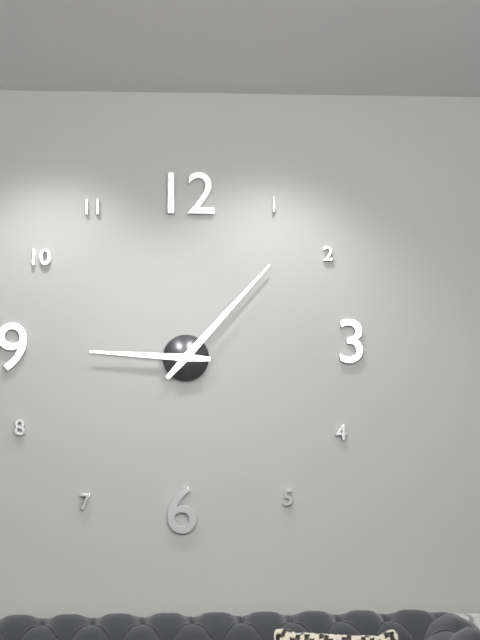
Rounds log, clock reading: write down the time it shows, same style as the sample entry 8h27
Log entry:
9h07
